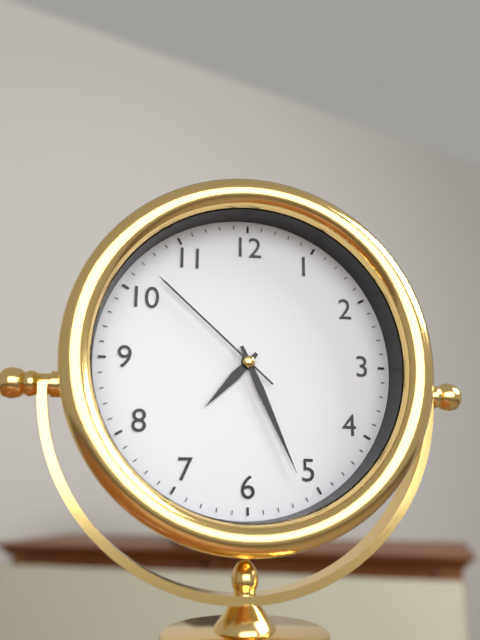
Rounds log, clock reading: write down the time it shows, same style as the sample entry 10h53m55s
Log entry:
7h26m52s
